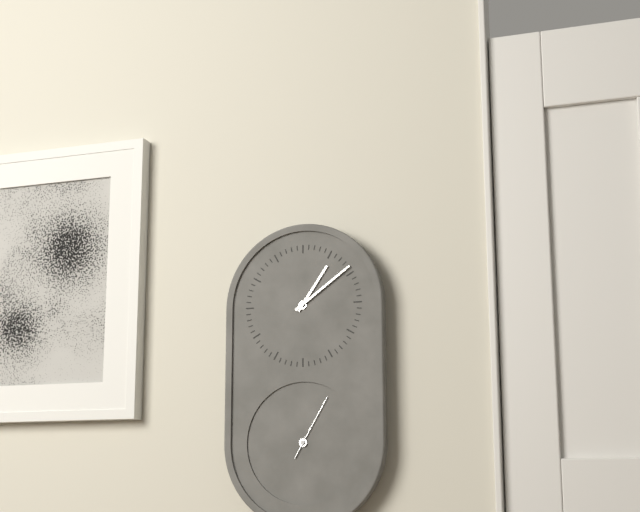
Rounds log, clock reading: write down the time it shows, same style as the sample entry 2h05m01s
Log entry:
1h09m05s
